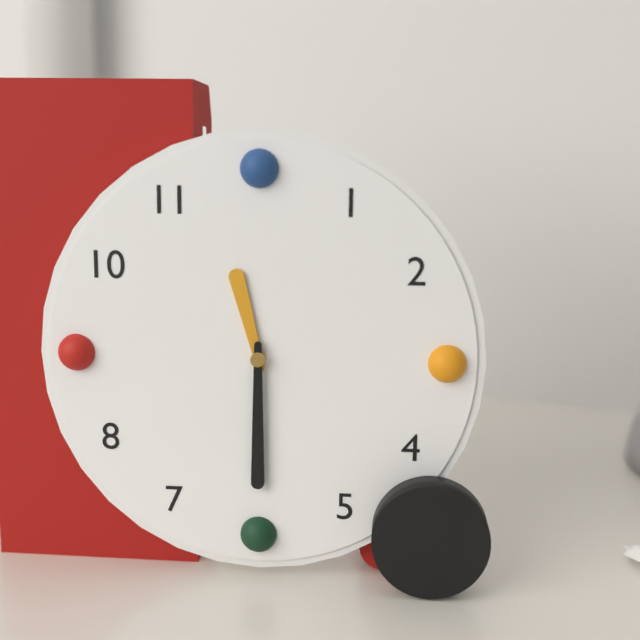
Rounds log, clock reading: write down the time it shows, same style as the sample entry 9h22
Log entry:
11h30
